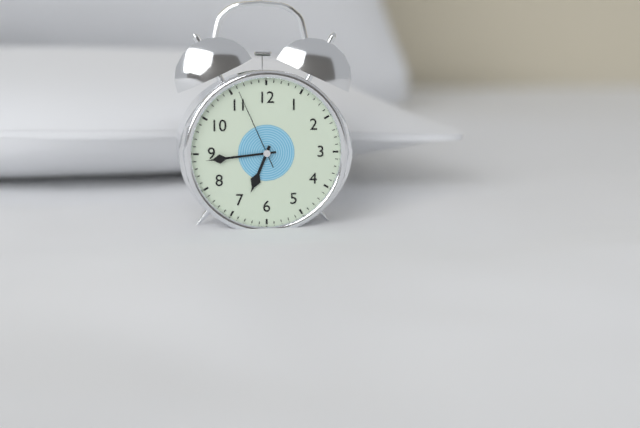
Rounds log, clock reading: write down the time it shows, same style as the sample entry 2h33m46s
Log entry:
6h44m56s
